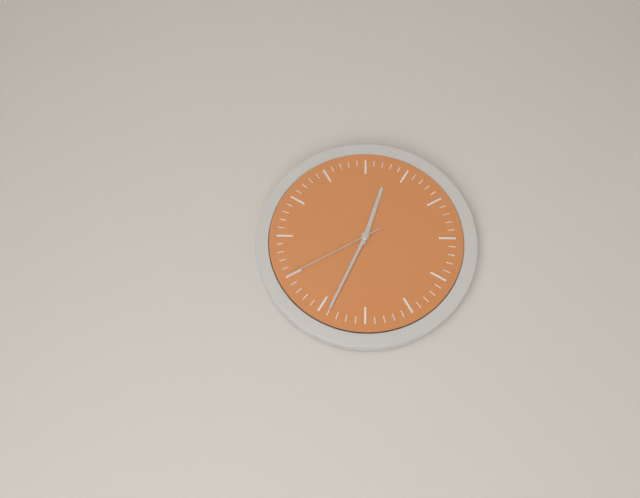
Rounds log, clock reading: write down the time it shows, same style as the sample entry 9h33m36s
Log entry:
12h34m40s
